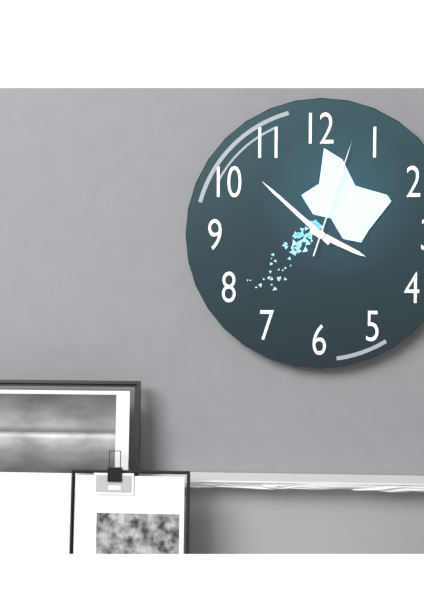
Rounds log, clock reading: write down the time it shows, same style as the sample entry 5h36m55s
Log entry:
3h52m03s
